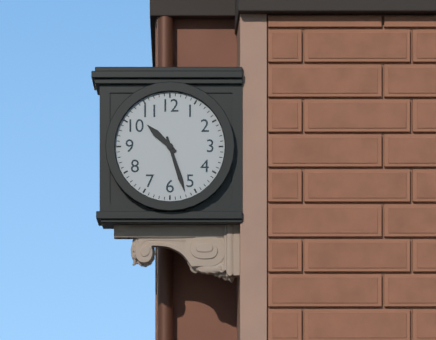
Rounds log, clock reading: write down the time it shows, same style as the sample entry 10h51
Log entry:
10h27
